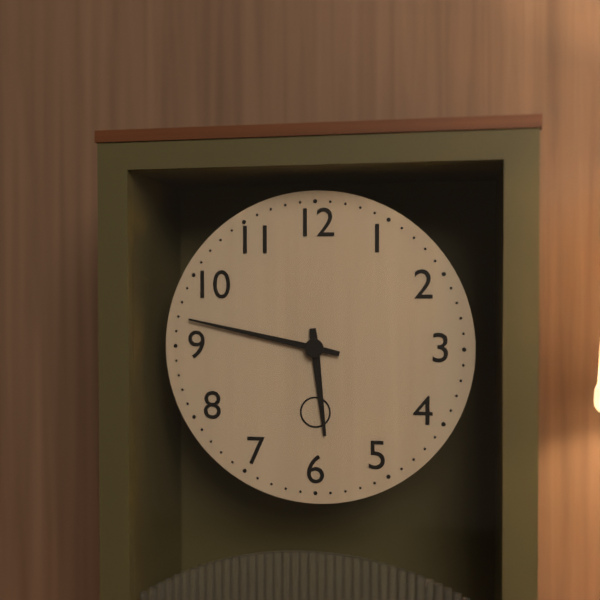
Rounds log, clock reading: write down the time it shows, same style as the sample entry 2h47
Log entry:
5h47
